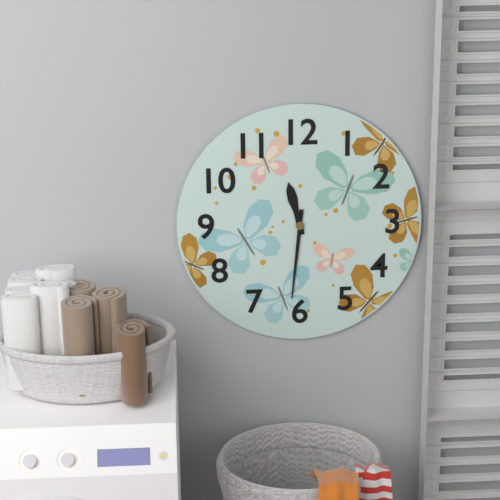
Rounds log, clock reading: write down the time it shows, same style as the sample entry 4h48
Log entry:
11h31
